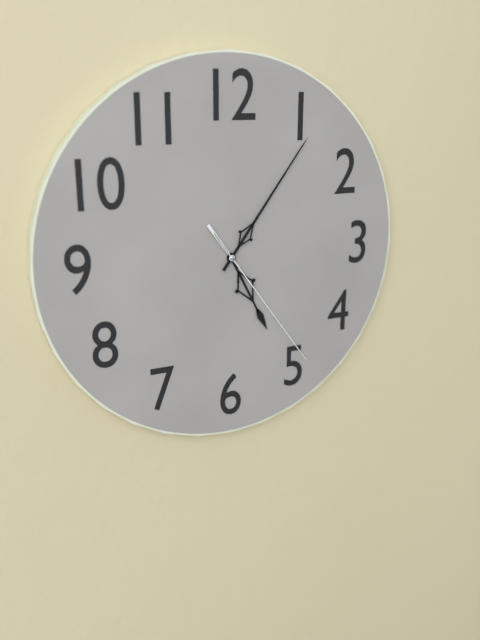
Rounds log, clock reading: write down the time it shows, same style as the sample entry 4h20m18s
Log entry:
5h06m24s
